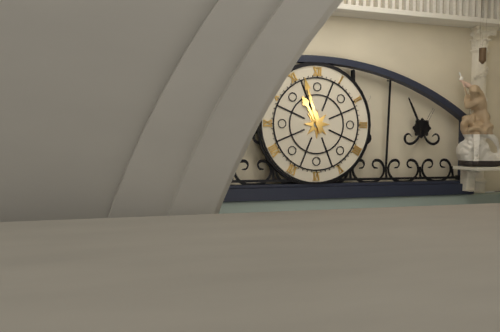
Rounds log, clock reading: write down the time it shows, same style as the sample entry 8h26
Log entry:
10h57
